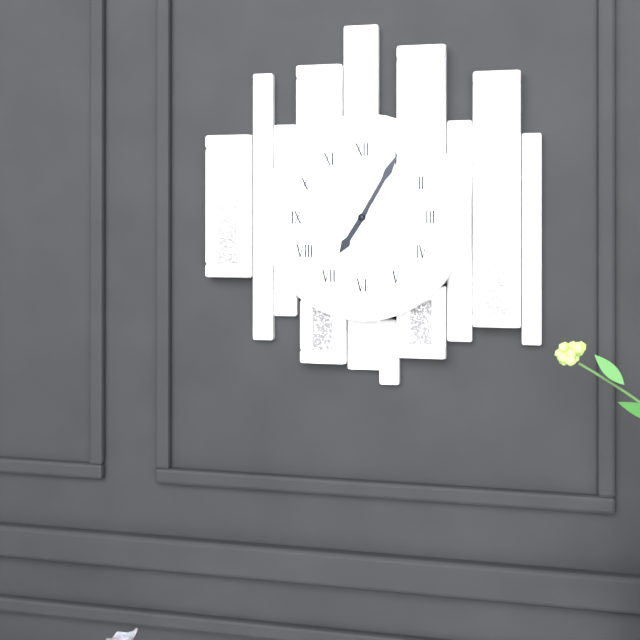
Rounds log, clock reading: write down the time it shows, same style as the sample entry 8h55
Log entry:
7h05
